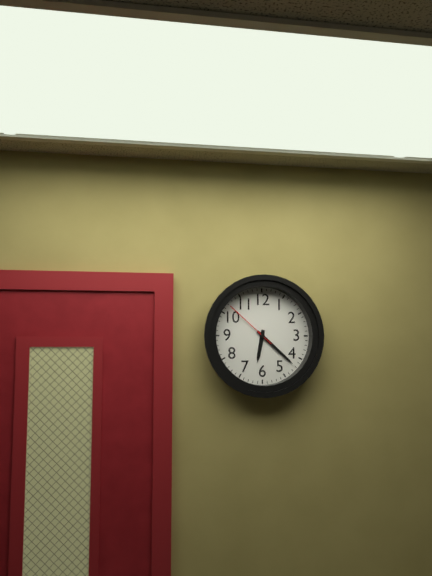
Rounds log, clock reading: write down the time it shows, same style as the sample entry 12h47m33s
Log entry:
6h22m52s
